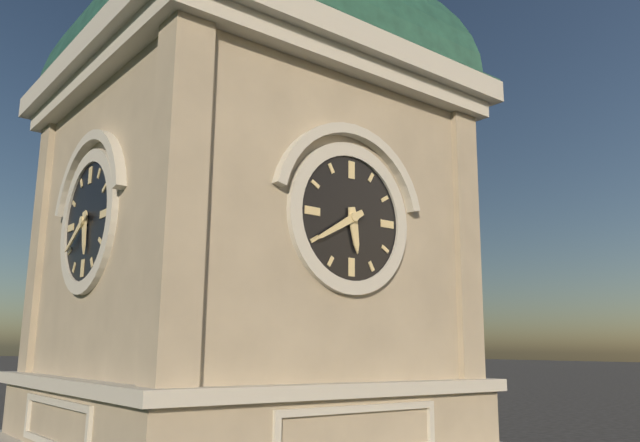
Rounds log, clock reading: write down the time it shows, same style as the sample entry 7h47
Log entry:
5h40
